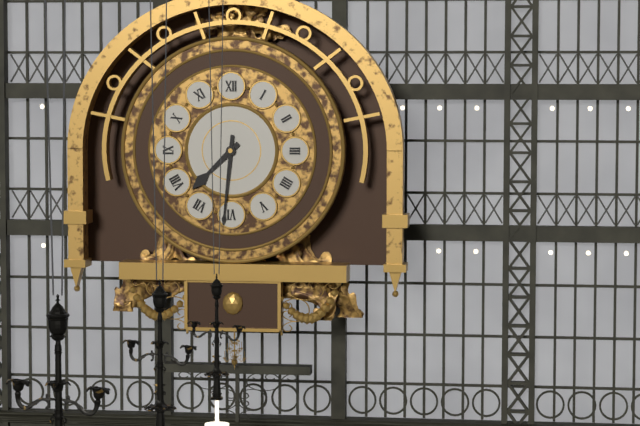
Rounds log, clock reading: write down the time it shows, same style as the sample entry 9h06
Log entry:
7h31
